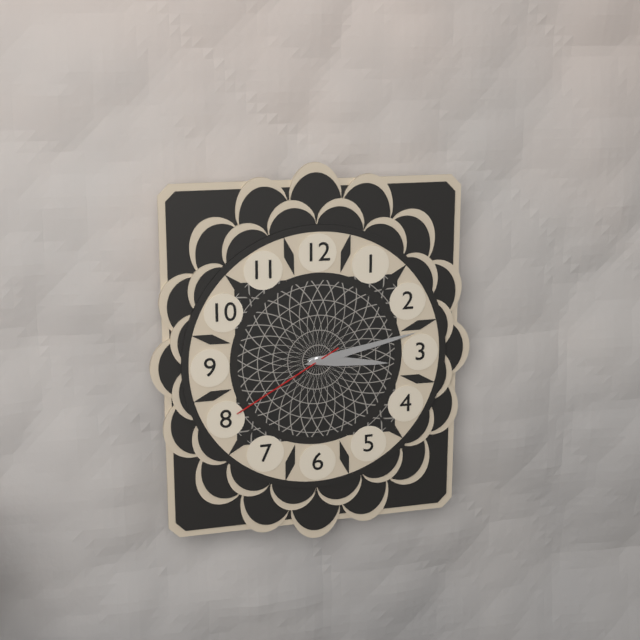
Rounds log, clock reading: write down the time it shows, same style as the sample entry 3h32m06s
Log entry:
3h13m40s
